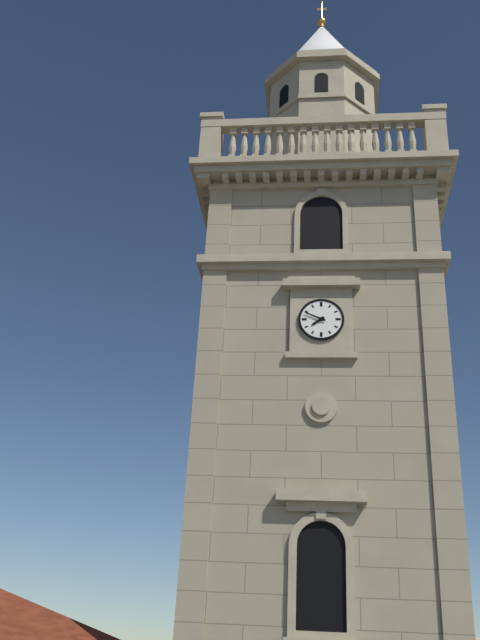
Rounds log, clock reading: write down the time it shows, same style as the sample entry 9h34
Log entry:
7h49
